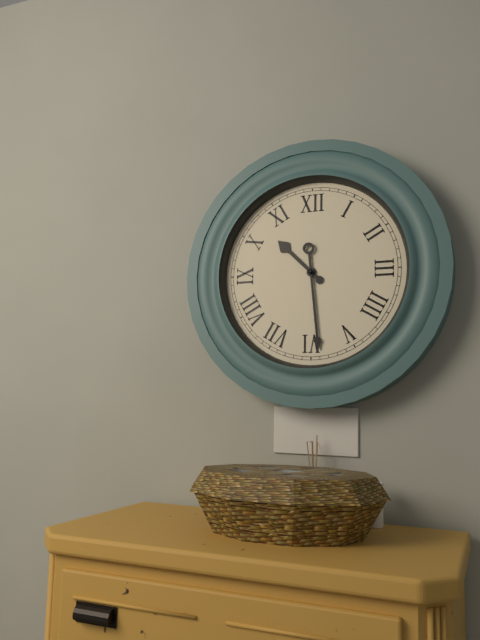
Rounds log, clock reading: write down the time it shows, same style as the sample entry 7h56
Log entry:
10h29
